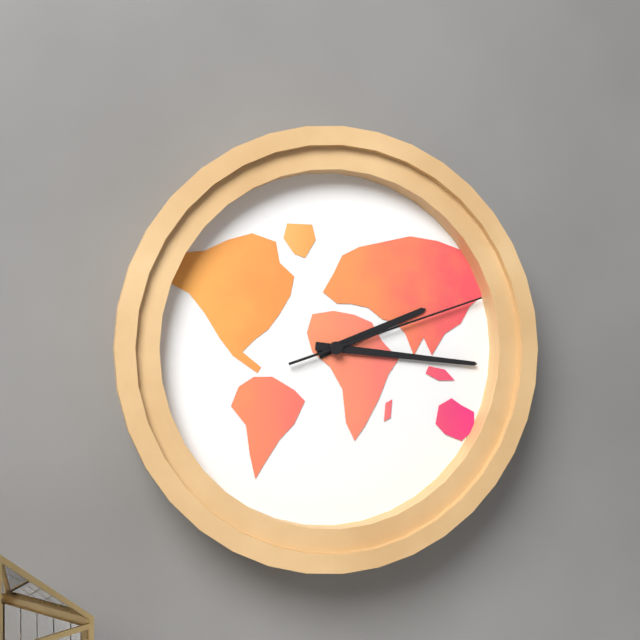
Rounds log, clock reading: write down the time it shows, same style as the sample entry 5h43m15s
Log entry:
2h16m12s
